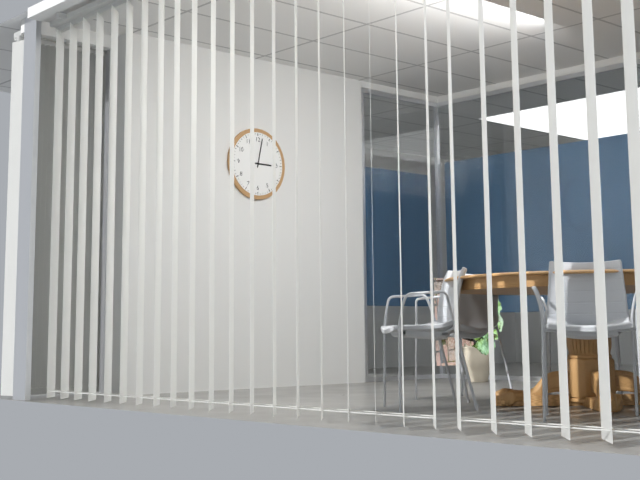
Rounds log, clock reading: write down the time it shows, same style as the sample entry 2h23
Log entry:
3h02
